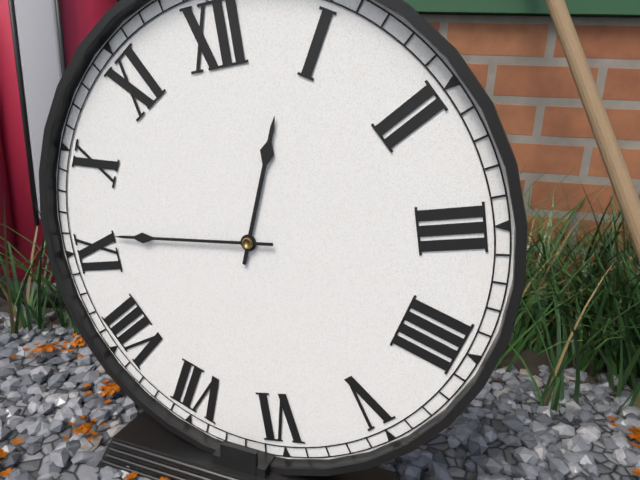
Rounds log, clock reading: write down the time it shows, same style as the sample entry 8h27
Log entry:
12h46
